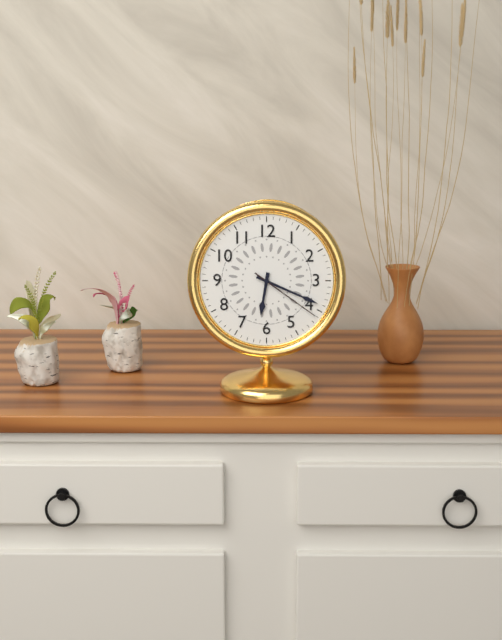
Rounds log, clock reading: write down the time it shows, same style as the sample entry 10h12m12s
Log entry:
6h19m21s
